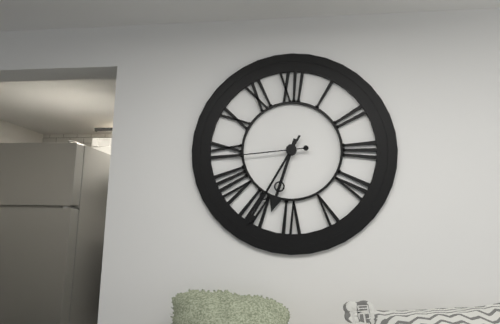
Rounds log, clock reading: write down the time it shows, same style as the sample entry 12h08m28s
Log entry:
6h35m44s
